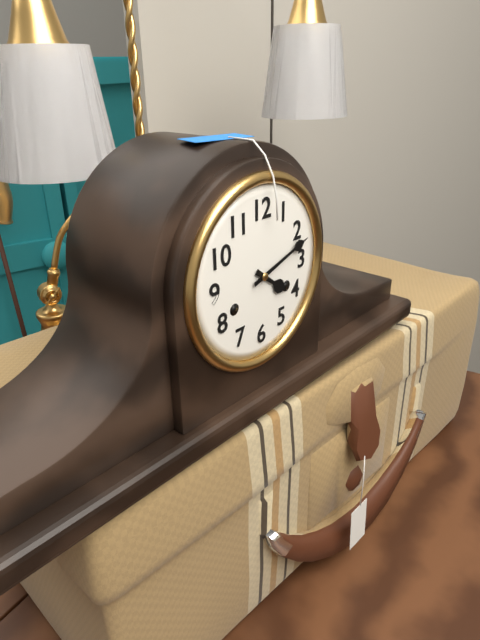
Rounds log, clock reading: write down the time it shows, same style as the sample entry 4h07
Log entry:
4h12
